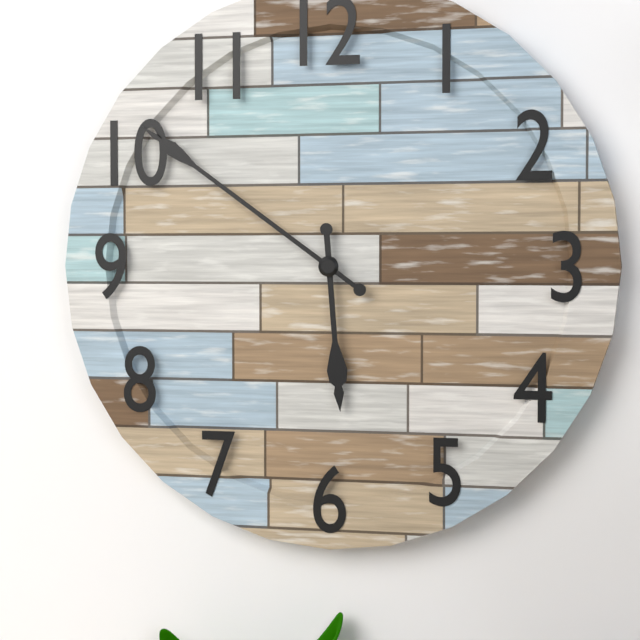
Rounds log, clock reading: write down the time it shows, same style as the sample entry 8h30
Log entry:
5h51
